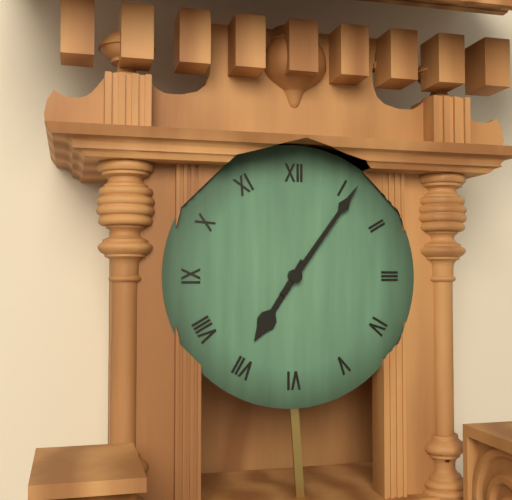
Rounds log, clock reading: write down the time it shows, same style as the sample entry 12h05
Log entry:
7h06
